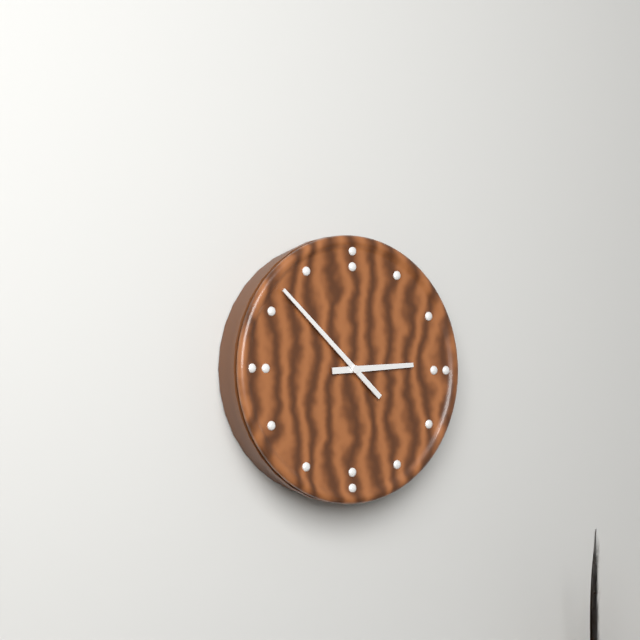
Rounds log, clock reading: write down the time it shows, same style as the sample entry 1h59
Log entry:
2h52
